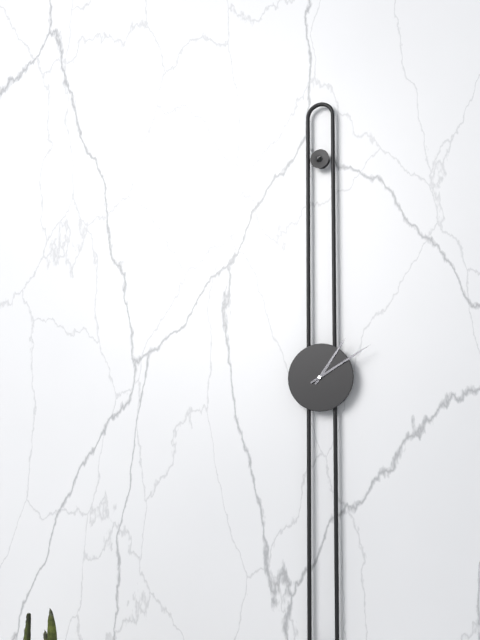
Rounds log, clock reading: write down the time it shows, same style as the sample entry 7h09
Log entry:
1h10
